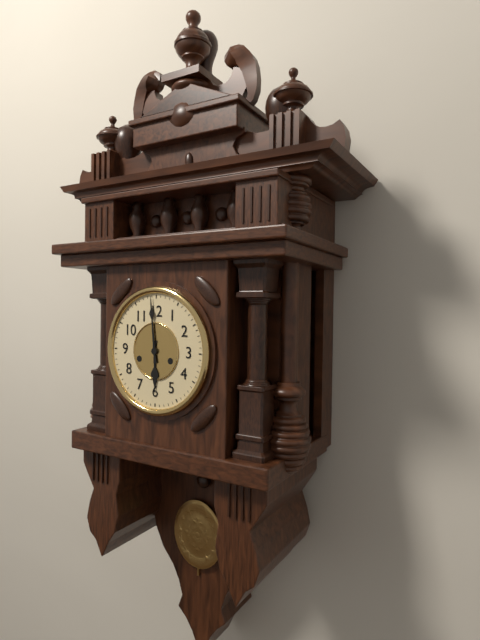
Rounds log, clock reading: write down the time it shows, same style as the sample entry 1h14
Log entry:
5h59
